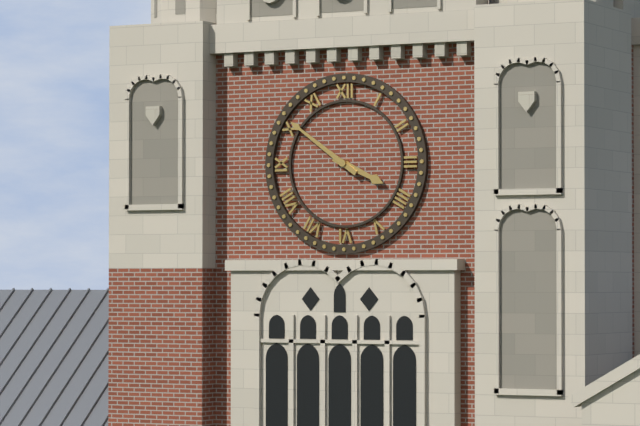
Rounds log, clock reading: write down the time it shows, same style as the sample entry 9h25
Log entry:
3h51
